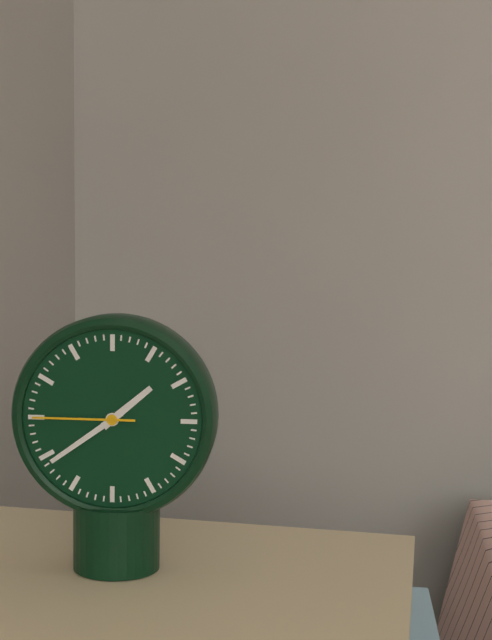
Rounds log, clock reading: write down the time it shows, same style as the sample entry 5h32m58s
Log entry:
1h39m45s
